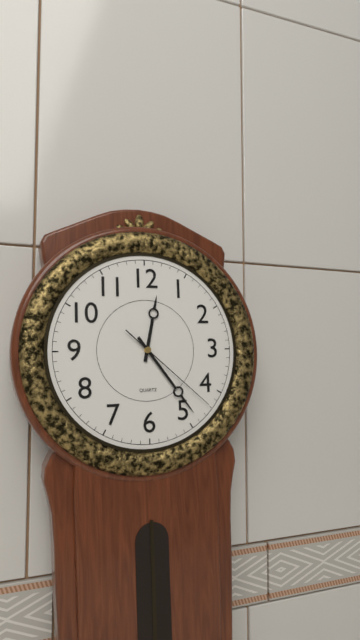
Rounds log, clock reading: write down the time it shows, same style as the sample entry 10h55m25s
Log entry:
12h24m22s
